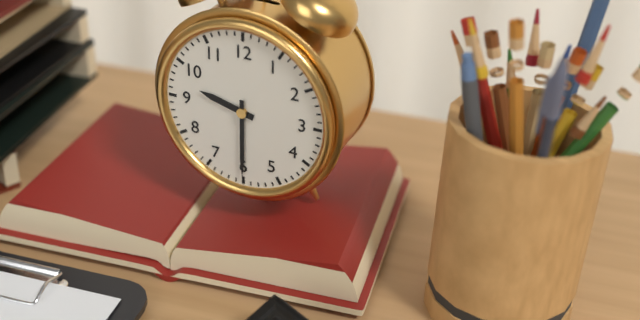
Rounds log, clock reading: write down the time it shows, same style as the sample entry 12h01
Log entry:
9h30
